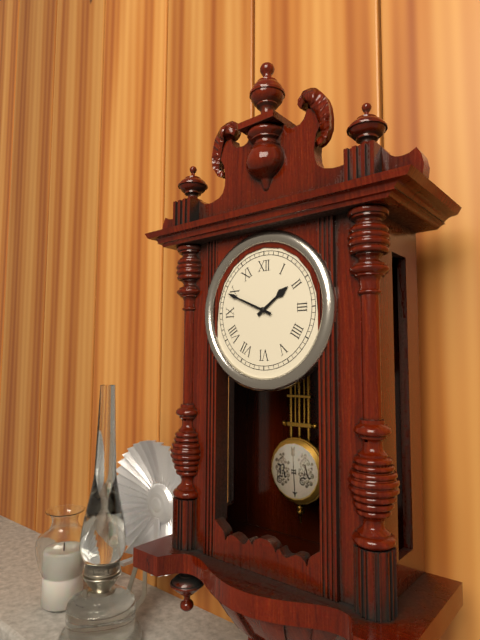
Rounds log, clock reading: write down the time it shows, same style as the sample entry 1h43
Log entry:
1h49
